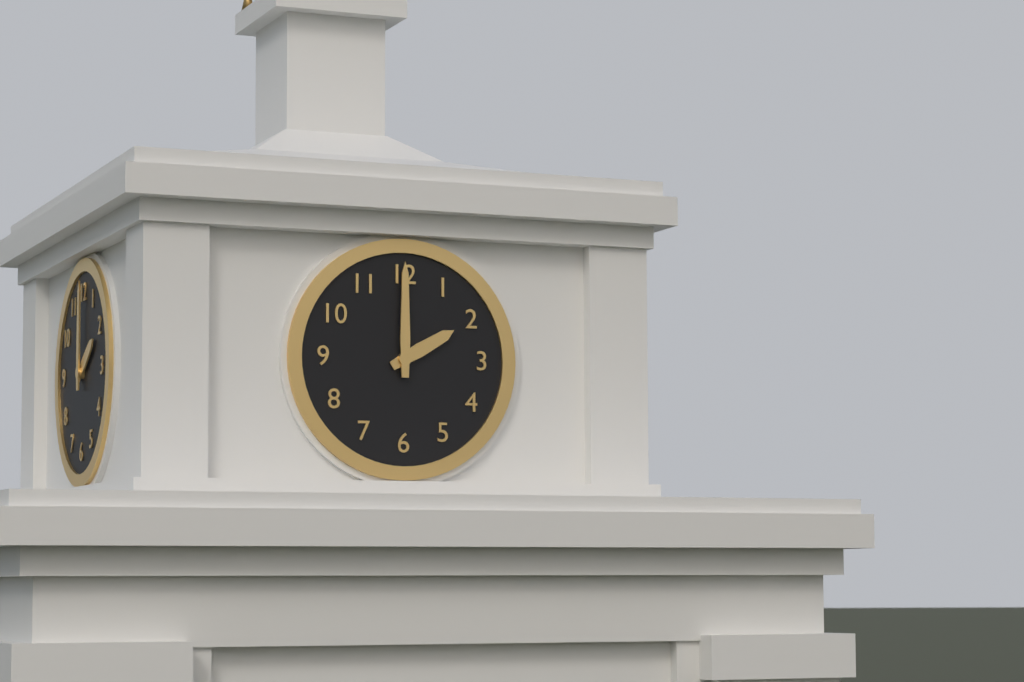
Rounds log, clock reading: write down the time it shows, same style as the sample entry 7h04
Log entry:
2h00
